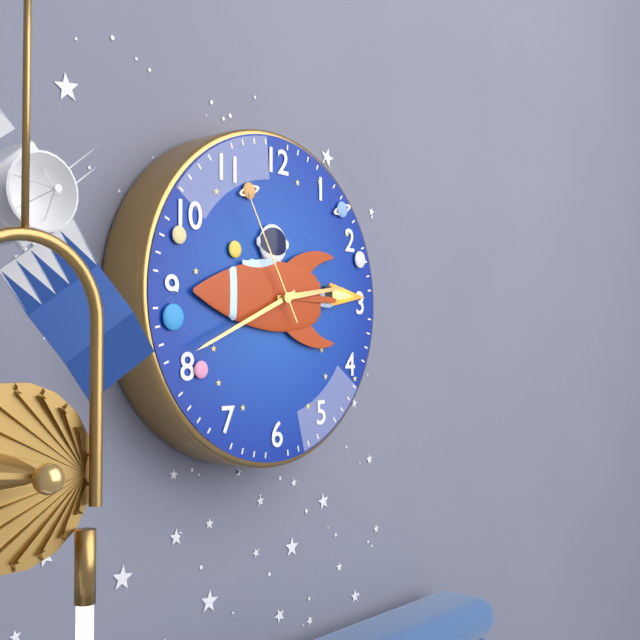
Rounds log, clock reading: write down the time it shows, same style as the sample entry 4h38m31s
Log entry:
2h41m55s
